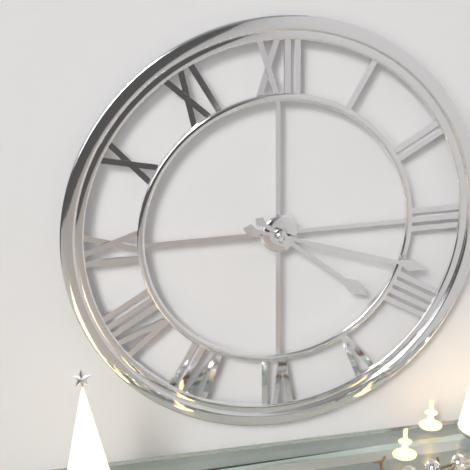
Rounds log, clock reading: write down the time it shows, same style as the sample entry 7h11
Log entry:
4h18
